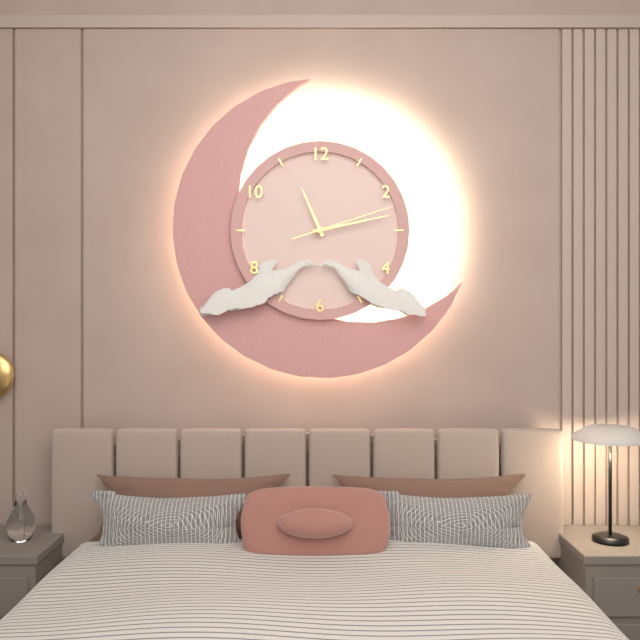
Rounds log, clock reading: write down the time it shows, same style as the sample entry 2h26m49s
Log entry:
11h13m12s
